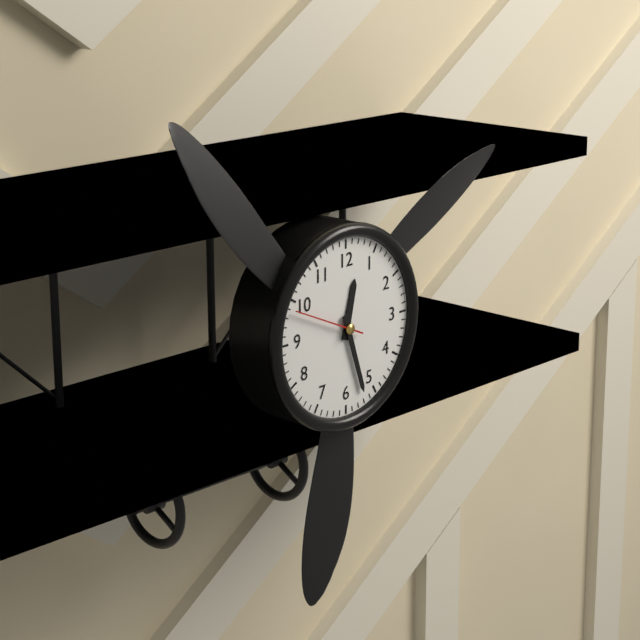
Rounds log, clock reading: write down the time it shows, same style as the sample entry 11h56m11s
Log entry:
12h27m49s
